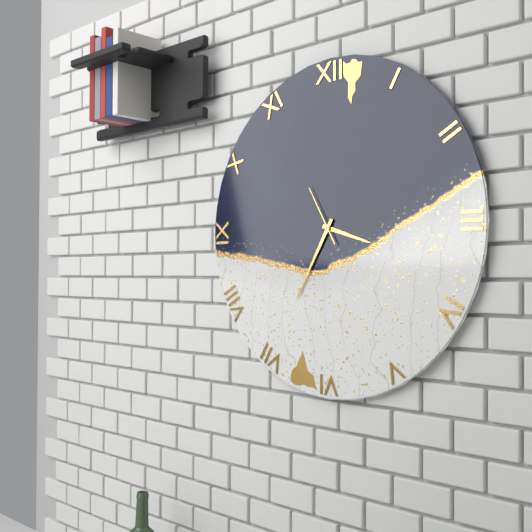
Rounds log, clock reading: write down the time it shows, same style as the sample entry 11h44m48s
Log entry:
3h35m55s
